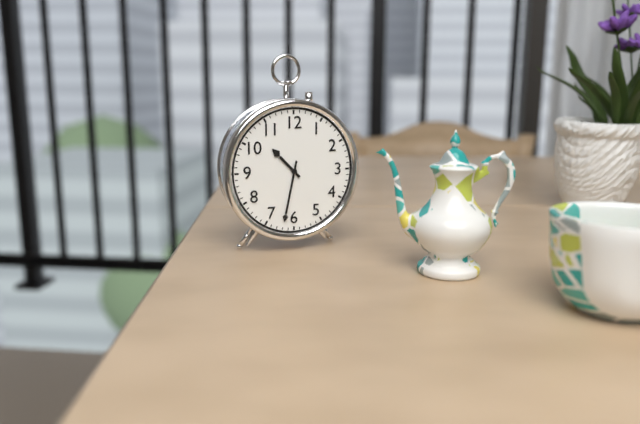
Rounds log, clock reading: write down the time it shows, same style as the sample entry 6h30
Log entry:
10h32
